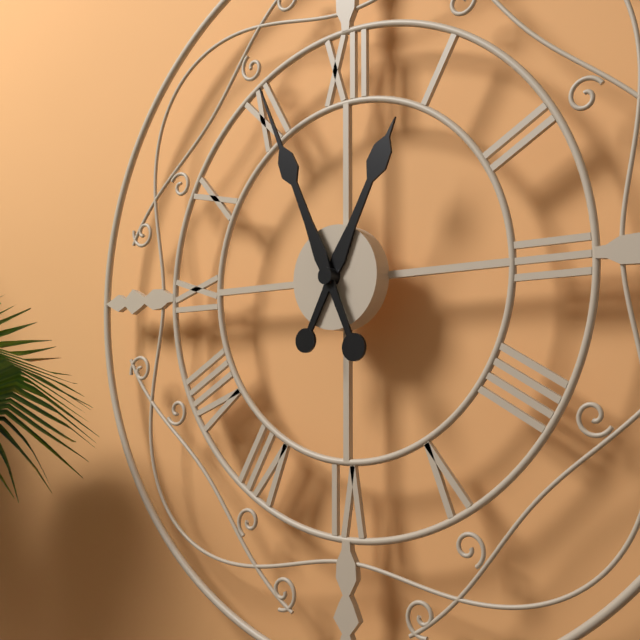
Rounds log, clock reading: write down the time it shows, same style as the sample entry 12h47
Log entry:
12h56
